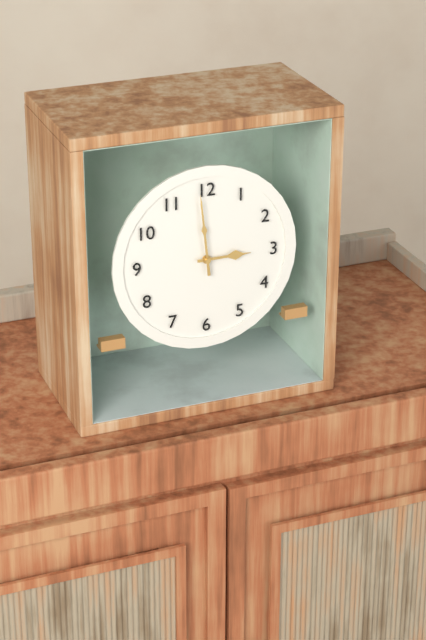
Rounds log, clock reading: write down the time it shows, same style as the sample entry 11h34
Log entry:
2h59
